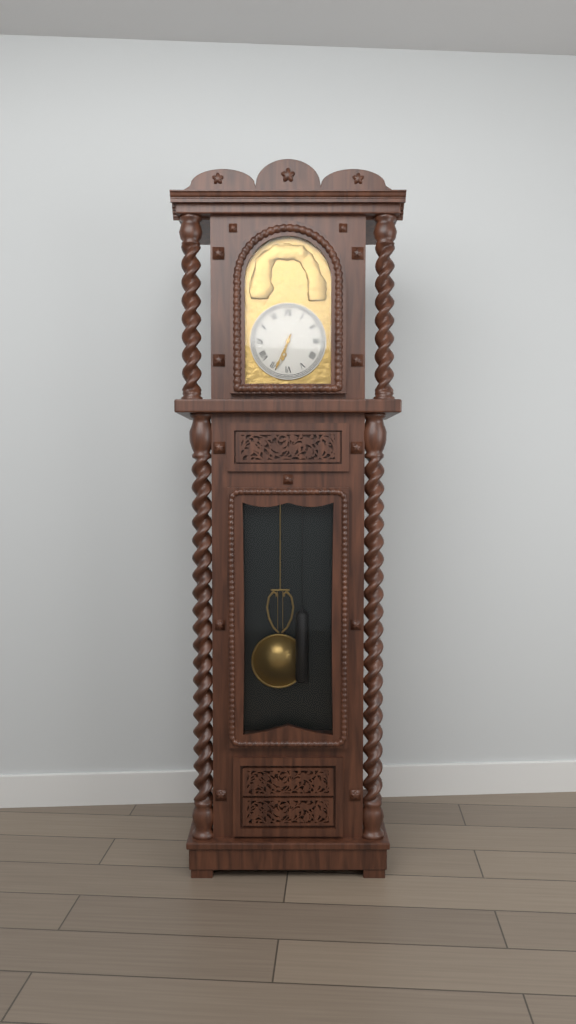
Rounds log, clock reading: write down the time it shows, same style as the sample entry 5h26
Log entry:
6h34
